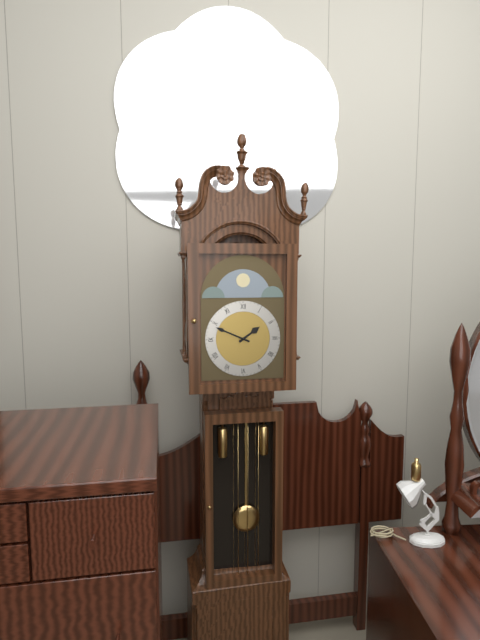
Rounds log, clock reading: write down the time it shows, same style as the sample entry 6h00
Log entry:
1h49
